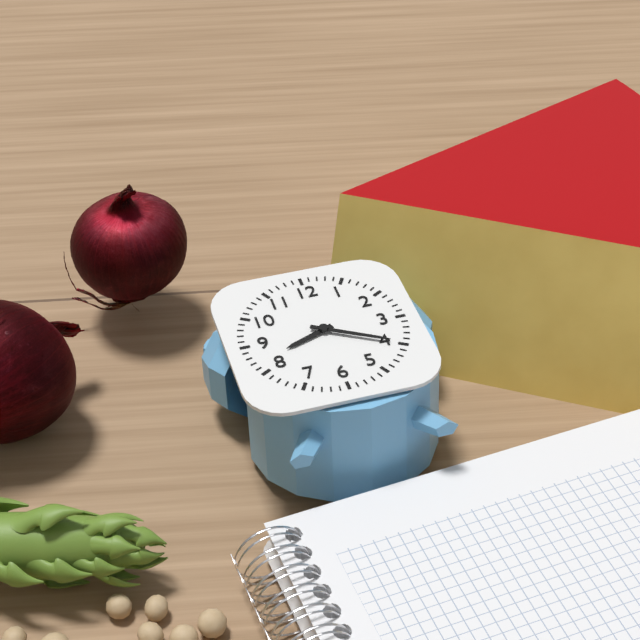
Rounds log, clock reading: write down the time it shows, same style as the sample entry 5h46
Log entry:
8h20
